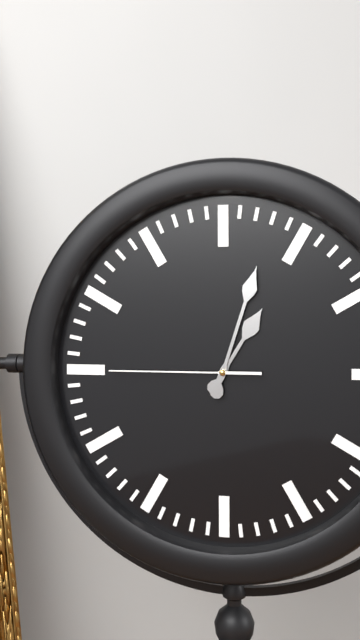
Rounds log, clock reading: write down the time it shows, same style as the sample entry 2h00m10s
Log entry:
1h03m45s
